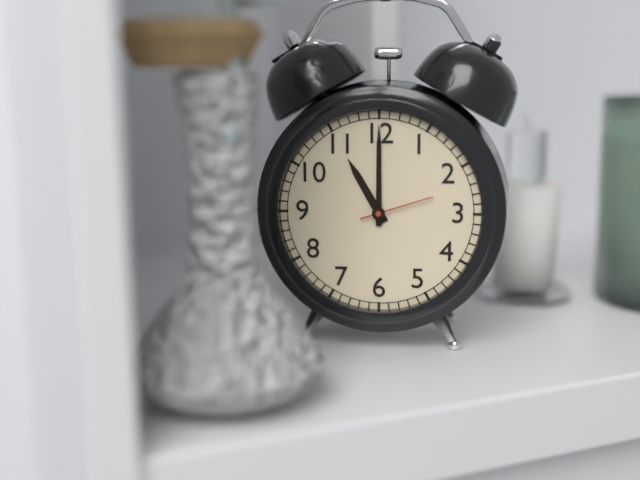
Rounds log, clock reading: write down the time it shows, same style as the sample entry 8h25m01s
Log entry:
11h00m12s
